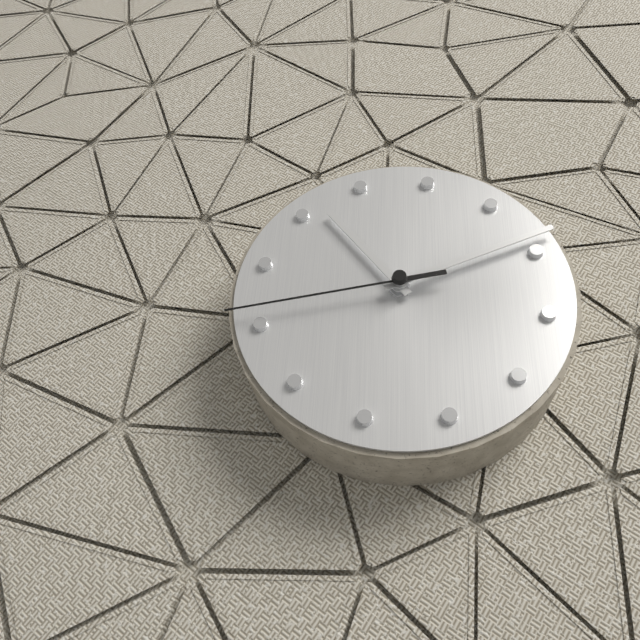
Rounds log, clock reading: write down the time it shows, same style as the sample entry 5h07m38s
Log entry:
12h19m51s
